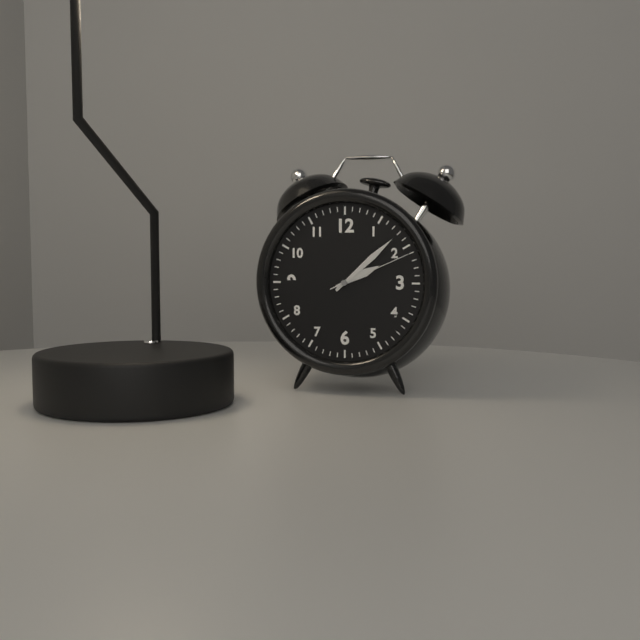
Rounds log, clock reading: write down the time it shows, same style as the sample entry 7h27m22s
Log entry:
2h08m11s
